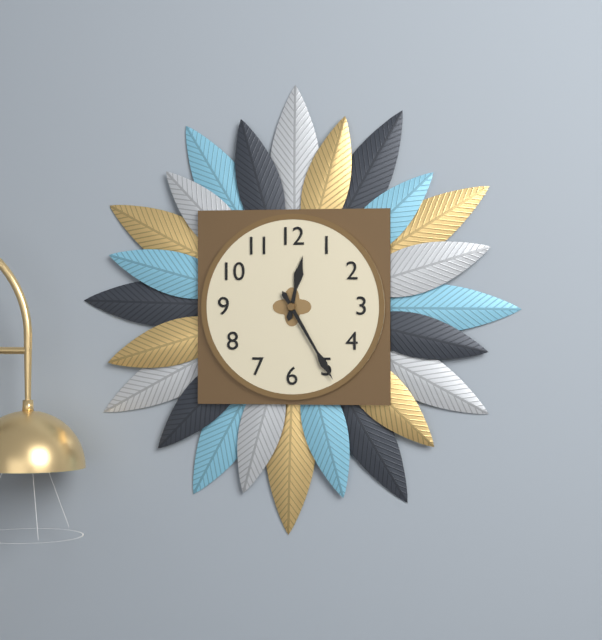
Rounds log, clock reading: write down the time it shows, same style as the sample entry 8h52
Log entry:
12h25
